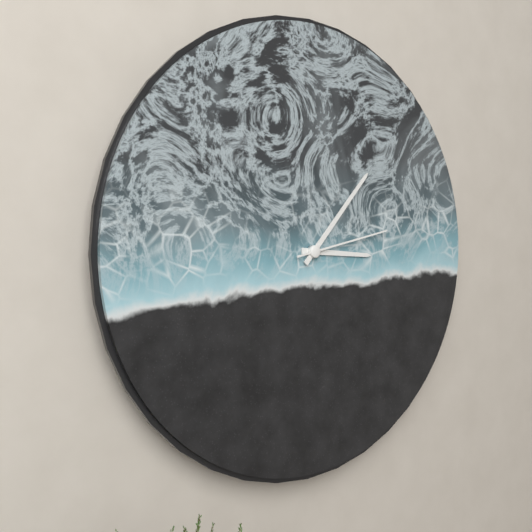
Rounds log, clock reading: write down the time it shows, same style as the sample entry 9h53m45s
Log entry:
3h07m13s
